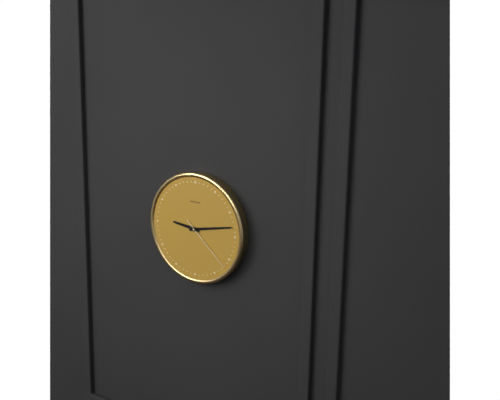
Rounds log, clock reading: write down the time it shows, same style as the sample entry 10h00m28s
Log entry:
9h13m22s
